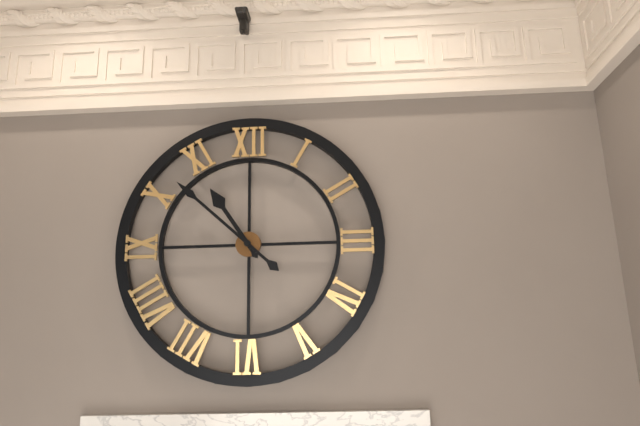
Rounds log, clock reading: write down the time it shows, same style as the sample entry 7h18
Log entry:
10h52
